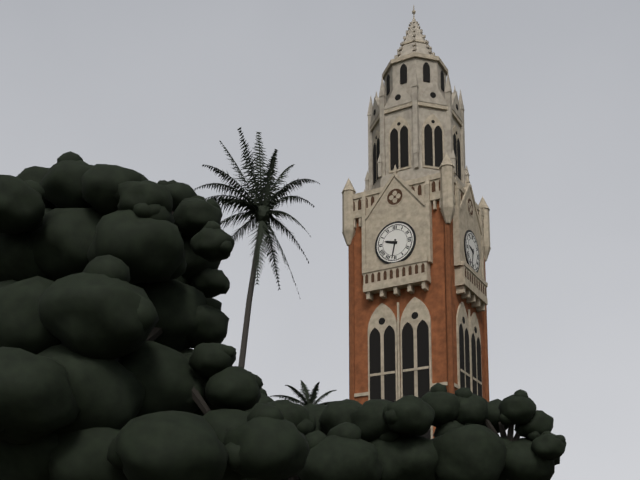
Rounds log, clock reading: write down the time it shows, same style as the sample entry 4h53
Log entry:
9h32
